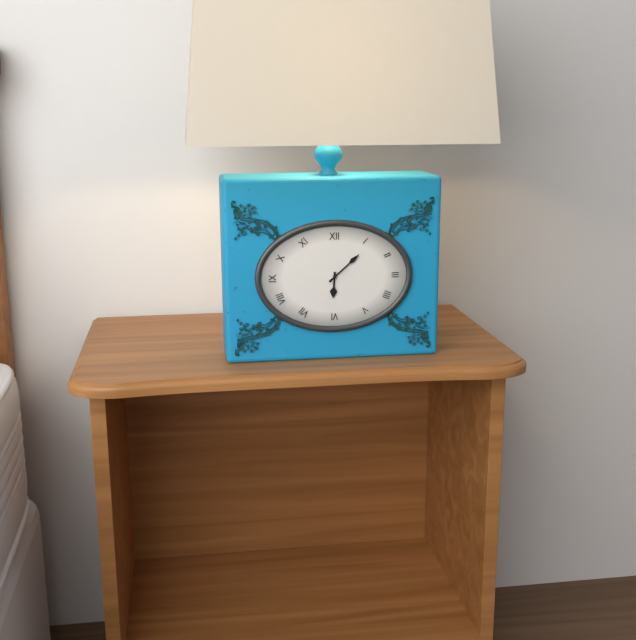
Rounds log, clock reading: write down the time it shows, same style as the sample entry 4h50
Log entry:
6h08
